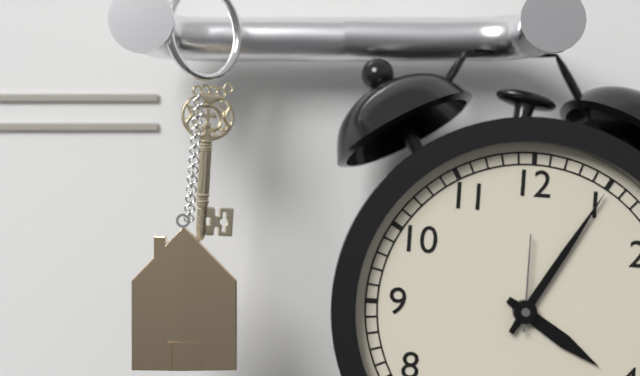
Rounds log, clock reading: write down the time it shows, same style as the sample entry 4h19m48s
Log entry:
4h05m00s
